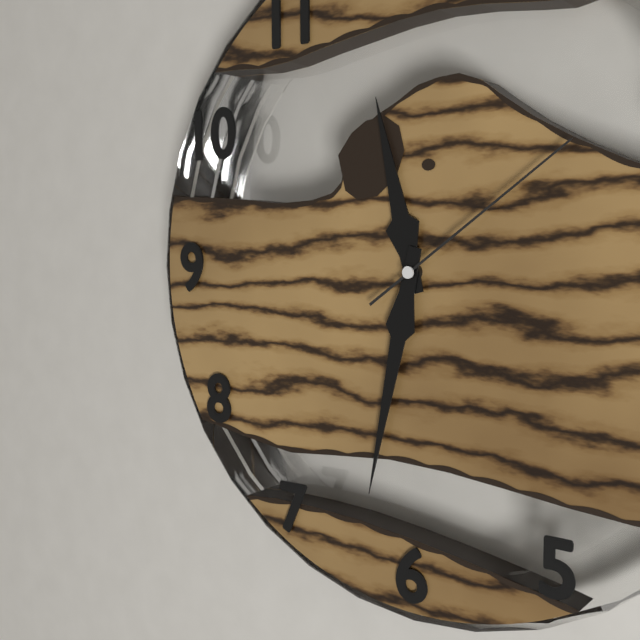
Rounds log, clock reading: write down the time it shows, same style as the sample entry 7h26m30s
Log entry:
11h32m09s
